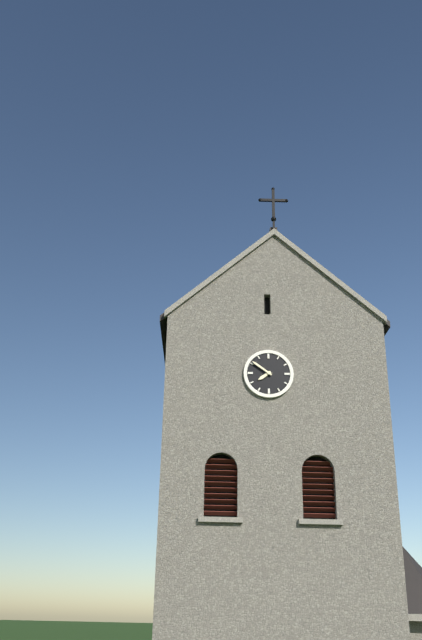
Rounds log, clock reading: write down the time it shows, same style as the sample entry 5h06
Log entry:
7h51
